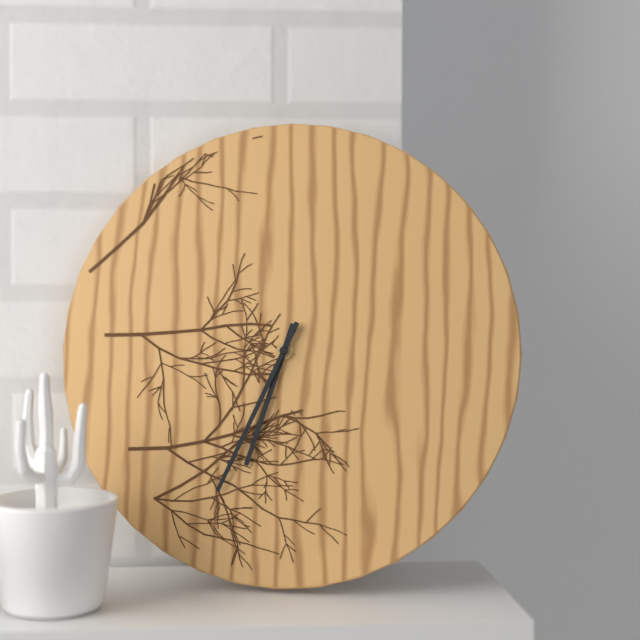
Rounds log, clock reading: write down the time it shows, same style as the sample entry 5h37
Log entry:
6h34
